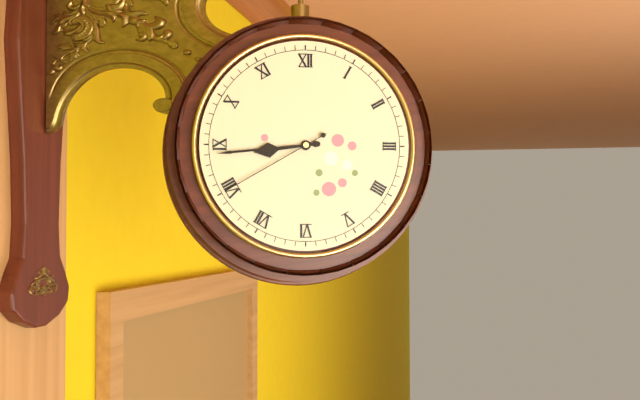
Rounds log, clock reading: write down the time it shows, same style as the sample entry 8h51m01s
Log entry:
8h44m40s
